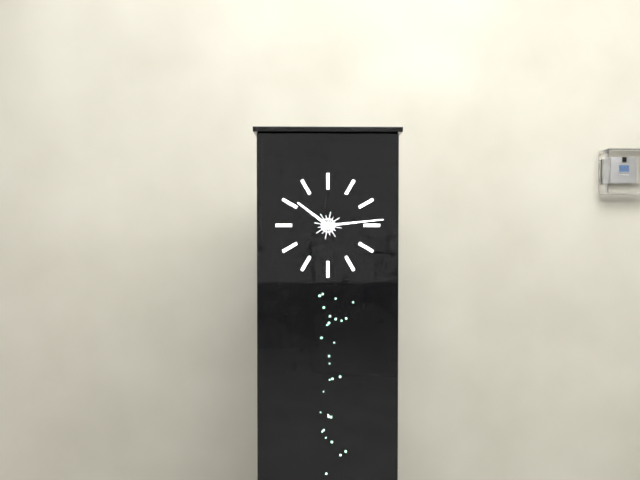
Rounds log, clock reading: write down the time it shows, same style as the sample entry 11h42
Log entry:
10h14
